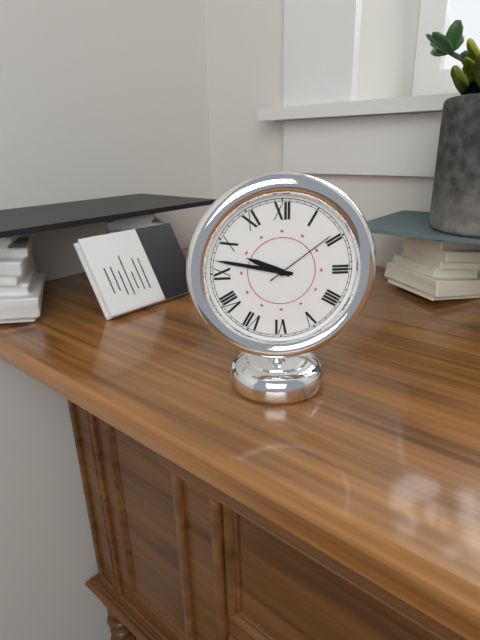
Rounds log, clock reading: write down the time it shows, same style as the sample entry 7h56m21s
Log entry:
9h47m09s
